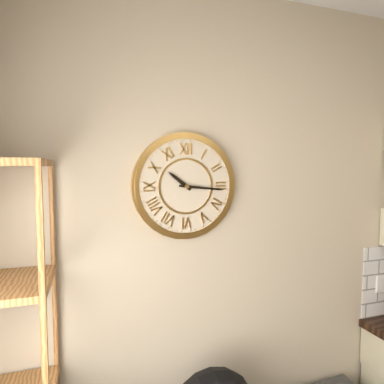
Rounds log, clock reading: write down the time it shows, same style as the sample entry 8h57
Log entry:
10h16
